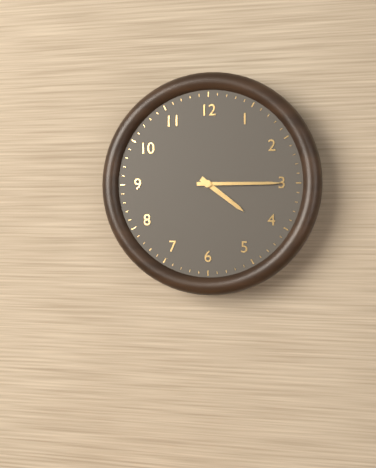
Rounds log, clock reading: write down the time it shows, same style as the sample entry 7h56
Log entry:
4h15
